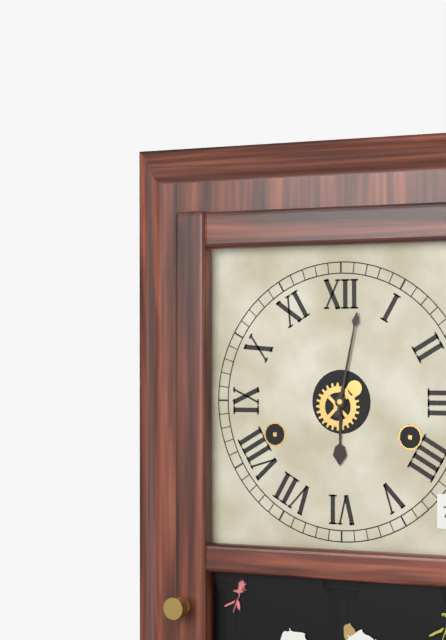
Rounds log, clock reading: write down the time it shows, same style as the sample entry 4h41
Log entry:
6h02
